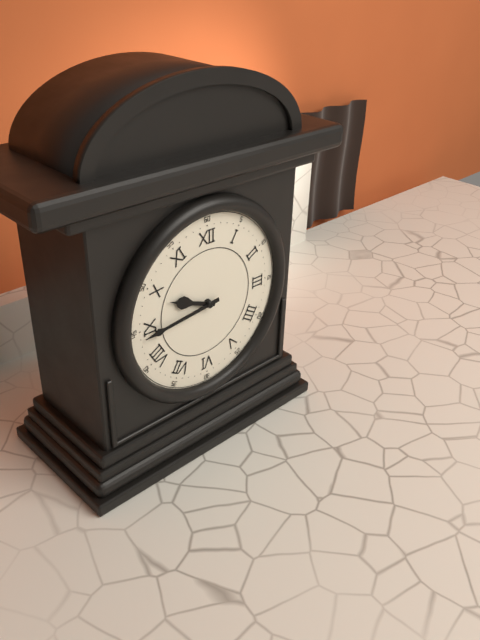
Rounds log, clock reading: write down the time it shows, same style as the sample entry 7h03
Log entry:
9h44
